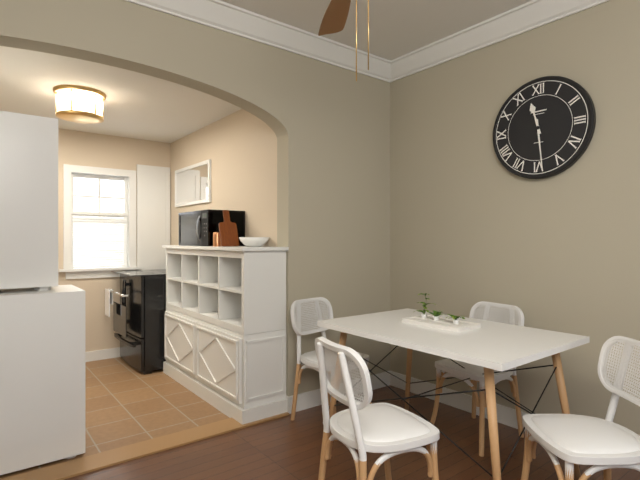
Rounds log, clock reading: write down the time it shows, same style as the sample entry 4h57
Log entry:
11h29
